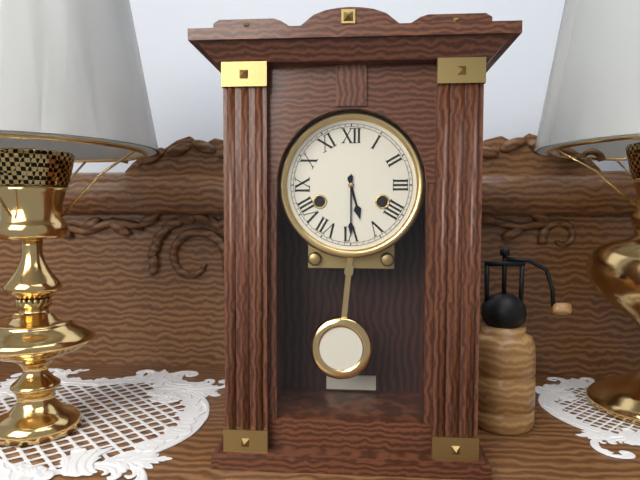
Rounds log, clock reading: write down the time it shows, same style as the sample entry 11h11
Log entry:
5h30
